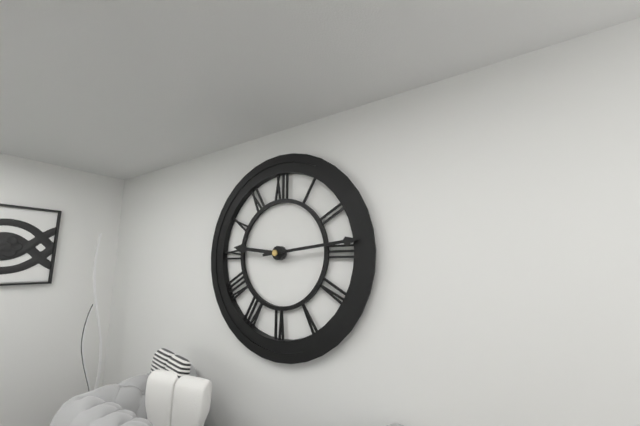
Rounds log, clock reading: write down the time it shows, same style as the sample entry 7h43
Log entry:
9h14
